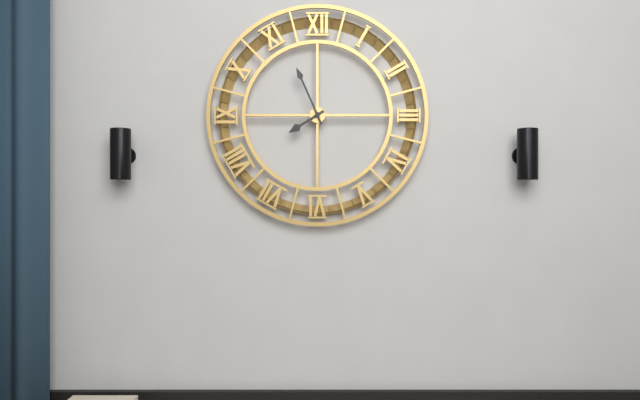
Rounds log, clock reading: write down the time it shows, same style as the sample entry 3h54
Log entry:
7h56
